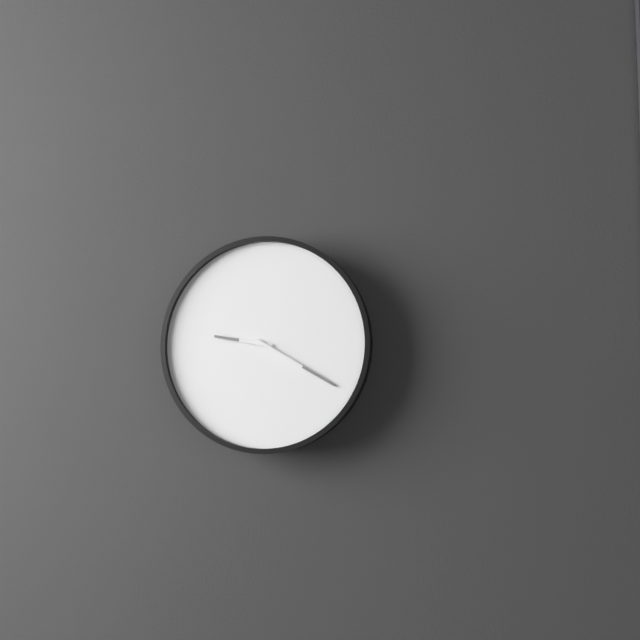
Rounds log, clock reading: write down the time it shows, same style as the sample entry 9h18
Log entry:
9h20
